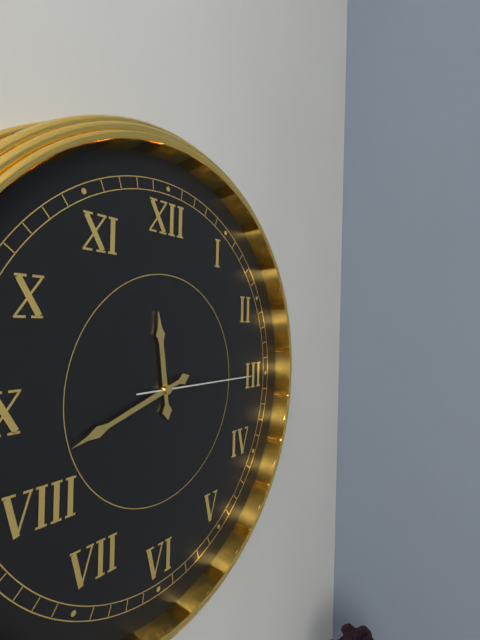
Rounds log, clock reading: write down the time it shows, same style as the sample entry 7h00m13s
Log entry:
11h42m15s
